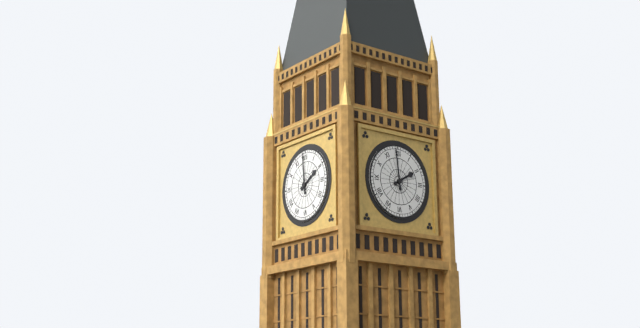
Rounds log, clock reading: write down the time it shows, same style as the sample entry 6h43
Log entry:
1h59
